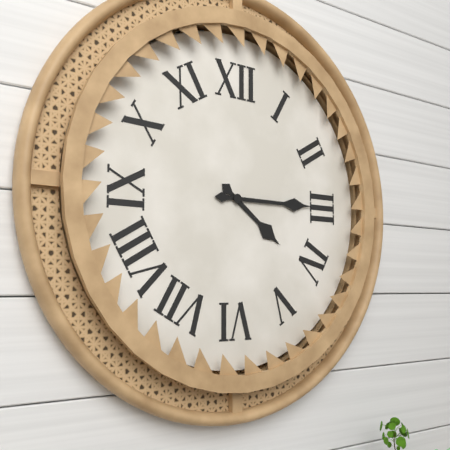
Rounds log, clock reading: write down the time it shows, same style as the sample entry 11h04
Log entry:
4h15
